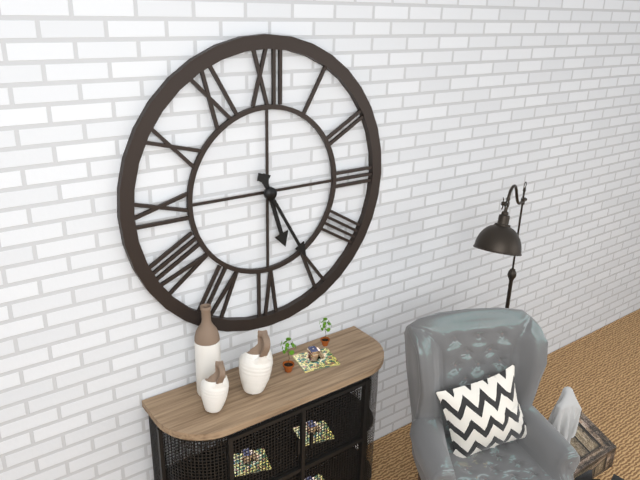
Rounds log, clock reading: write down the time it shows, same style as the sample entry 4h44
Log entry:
5h25
